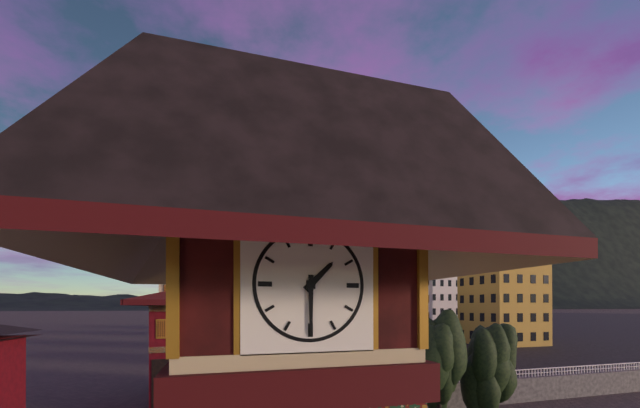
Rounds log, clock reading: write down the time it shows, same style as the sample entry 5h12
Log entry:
1h30
